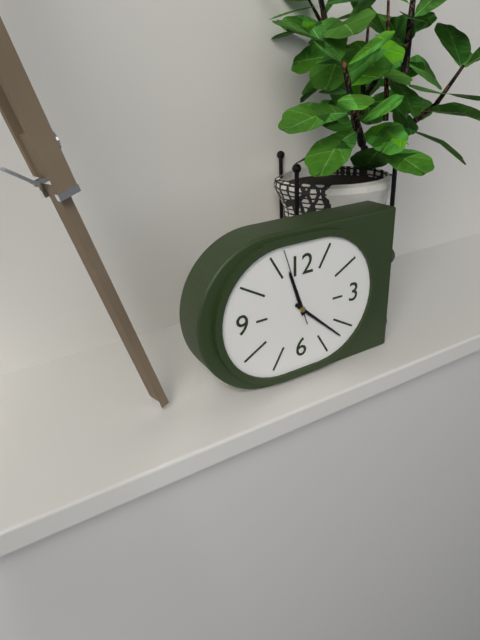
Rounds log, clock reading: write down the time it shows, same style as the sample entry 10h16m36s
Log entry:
11h22m57s
